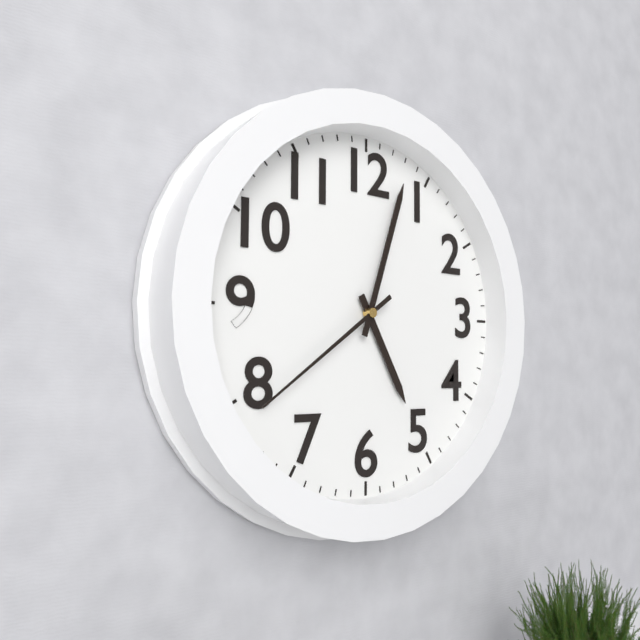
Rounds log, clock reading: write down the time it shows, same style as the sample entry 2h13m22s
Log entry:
5h03m39s
